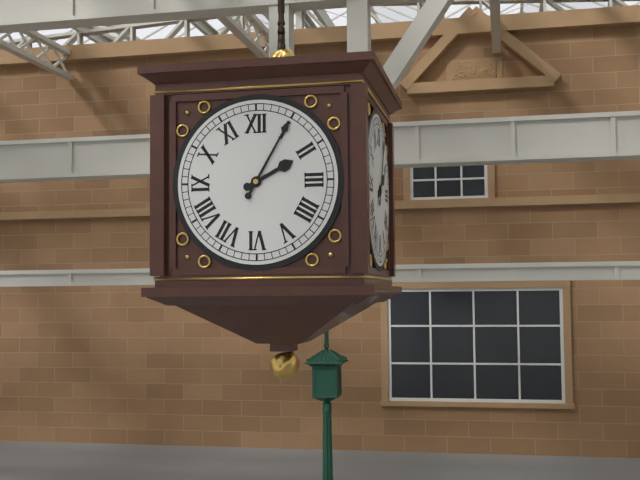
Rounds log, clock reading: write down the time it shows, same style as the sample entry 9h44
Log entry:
2h05
